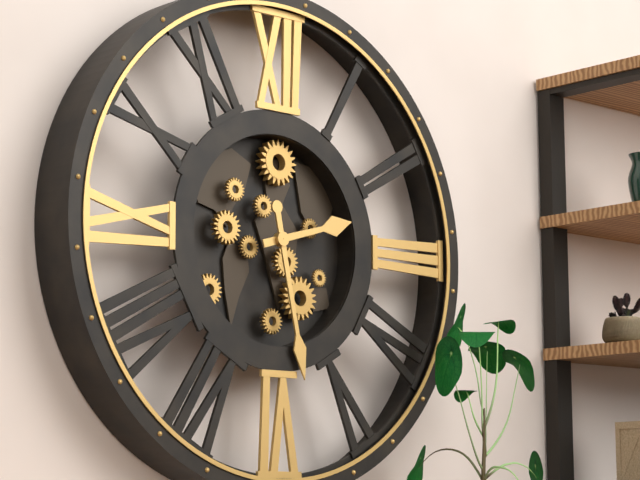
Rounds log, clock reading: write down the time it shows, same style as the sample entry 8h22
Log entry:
2h28
